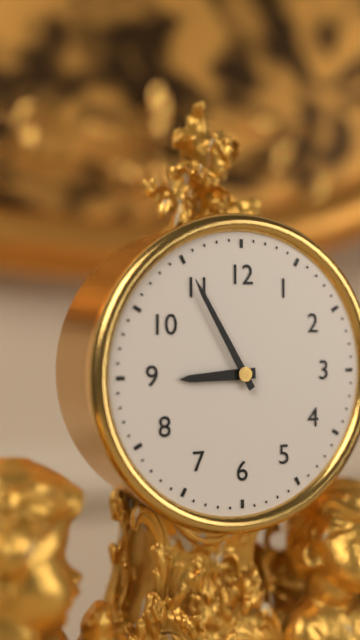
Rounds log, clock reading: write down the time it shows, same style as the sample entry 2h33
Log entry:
8h55
